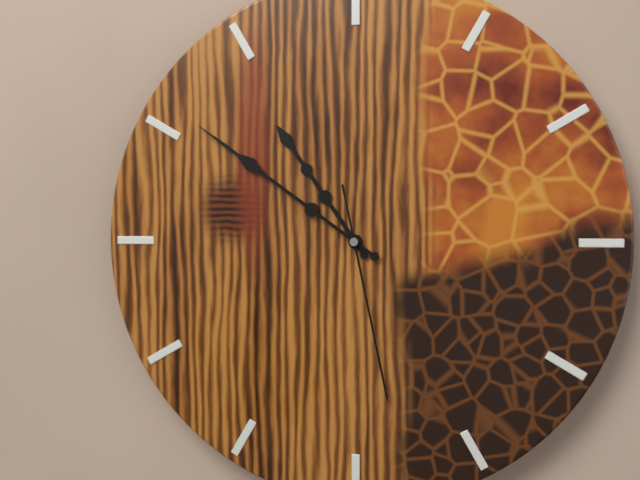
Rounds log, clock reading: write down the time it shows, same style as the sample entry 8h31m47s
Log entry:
10h51m28s
